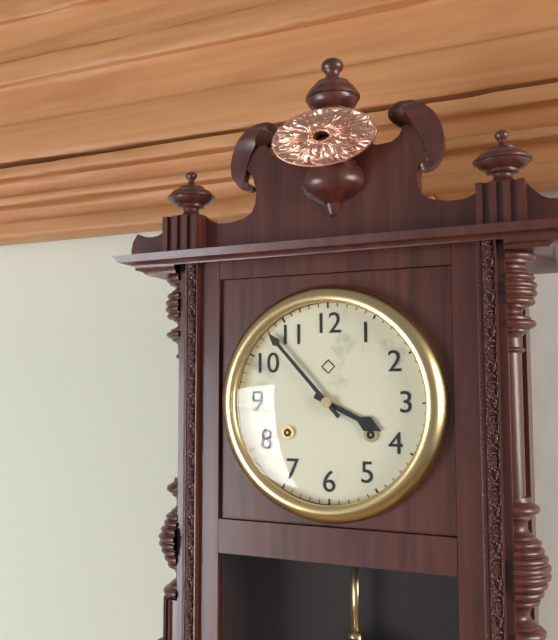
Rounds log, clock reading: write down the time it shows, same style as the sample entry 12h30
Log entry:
3h53
